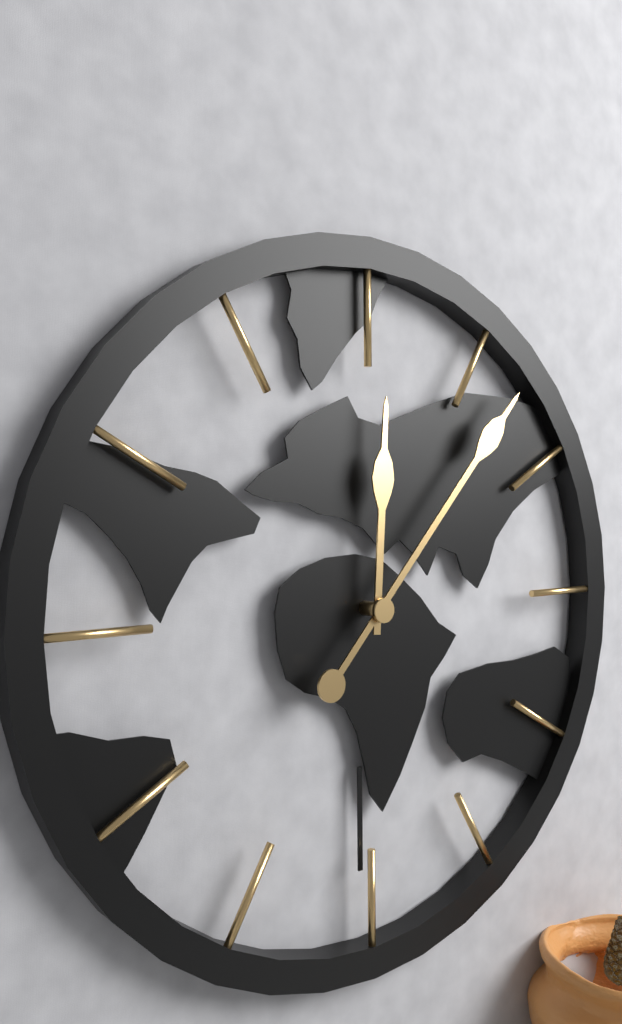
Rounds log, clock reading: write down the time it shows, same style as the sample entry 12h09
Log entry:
12h07
